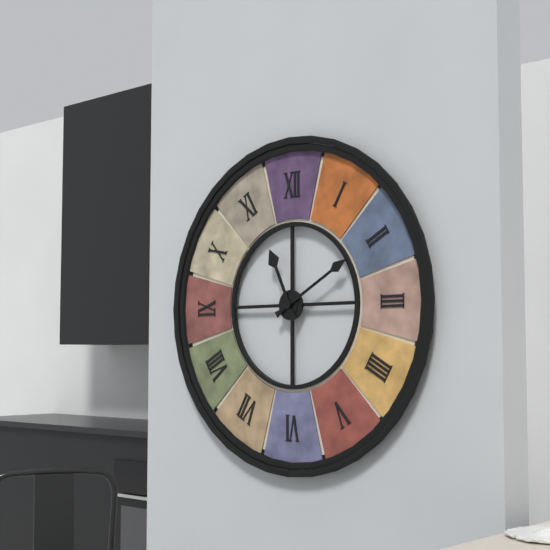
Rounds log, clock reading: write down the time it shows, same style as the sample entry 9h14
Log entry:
11h10
